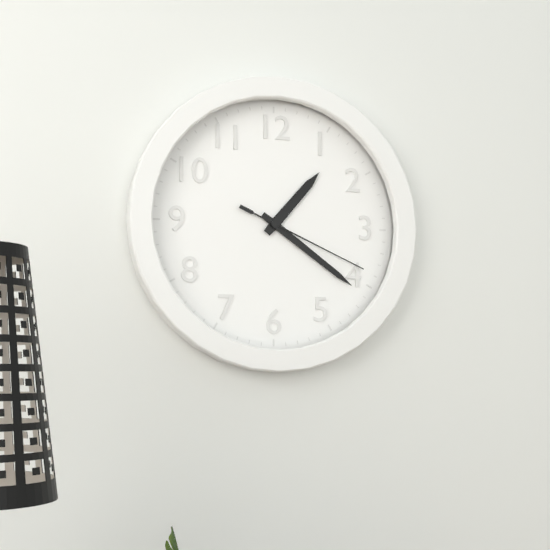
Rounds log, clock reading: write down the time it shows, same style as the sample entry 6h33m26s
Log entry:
1h21m19s
